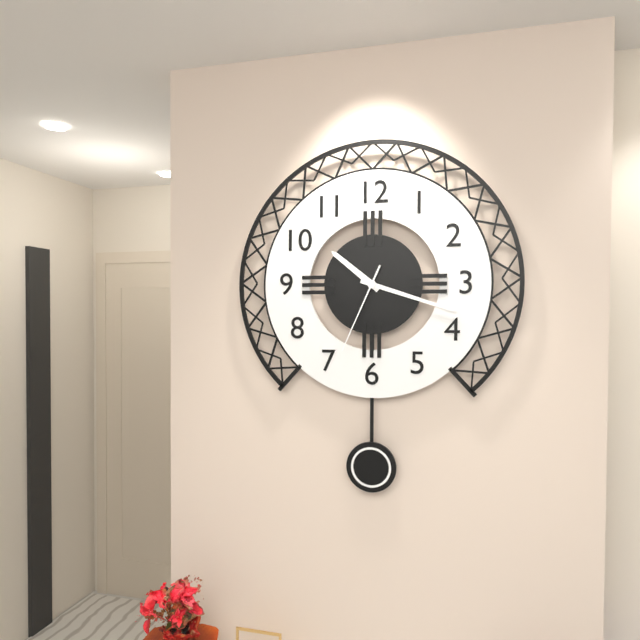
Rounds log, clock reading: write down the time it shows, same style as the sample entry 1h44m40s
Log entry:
10h18m34s
